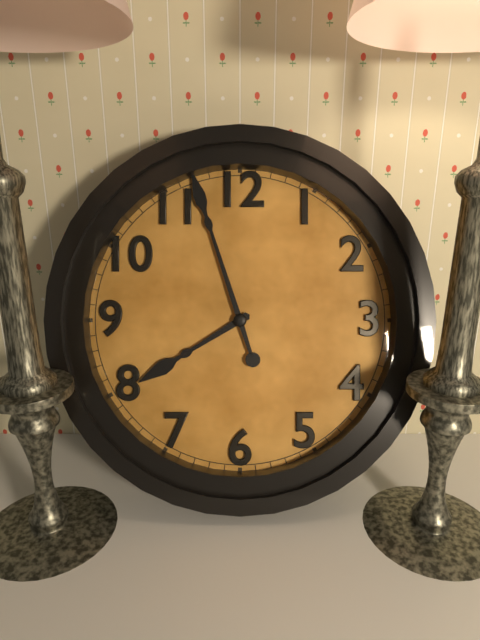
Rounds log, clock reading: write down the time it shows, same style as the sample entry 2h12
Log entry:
7h57
